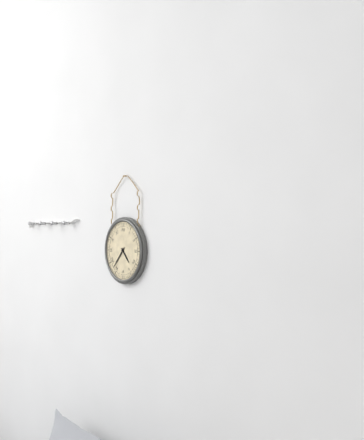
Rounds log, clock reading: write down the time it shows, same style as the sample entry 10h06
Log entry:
4h37
